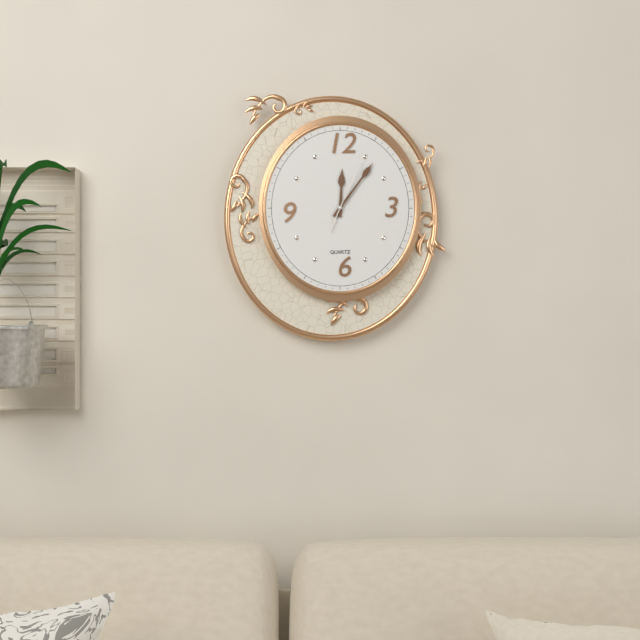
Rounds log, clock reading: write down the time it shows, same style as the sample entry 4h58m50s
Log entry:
12h06m04s
